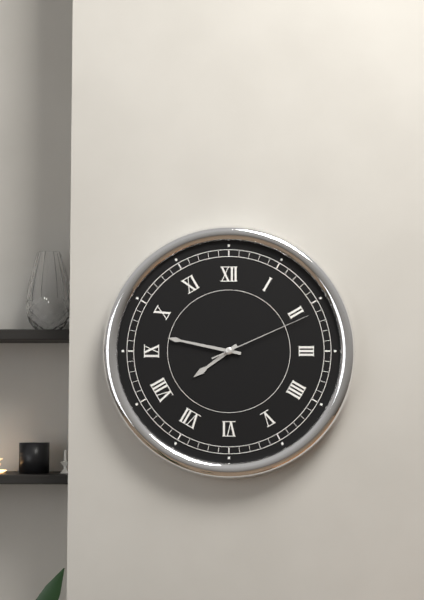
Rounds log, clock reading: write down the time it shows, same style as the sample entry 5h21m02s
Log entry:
7h47m11s
